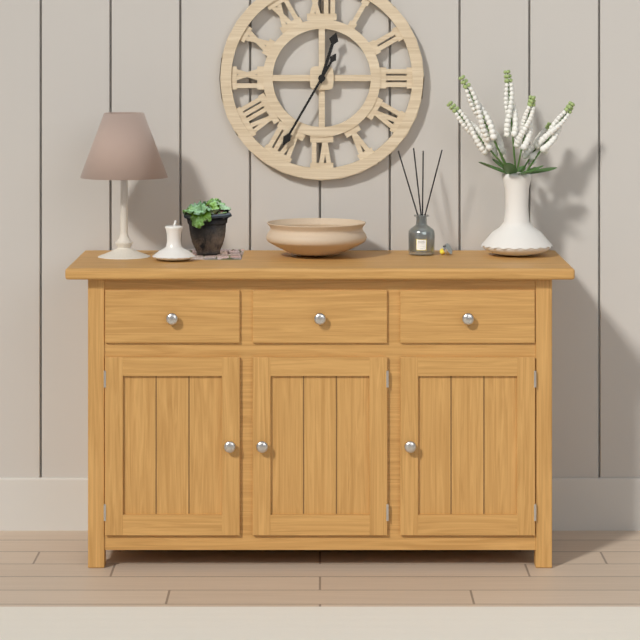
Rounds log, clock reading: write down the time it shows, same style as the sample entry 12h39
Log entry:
12h35
